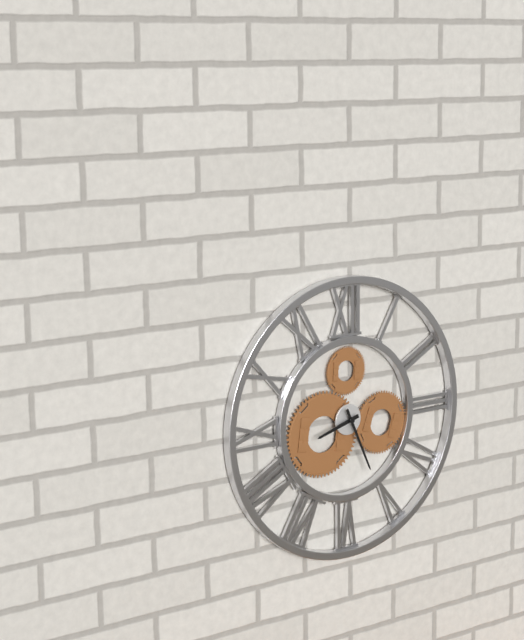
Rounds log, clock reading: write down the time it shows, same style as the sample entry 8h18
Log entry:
8h26
